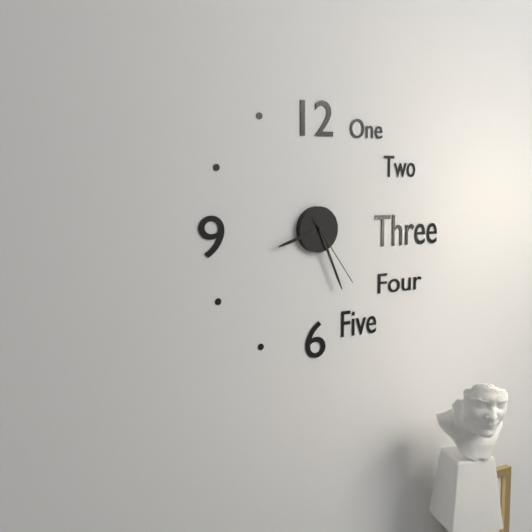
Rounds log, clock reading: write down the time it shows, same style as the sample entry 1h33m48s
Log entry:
8h26m24s
